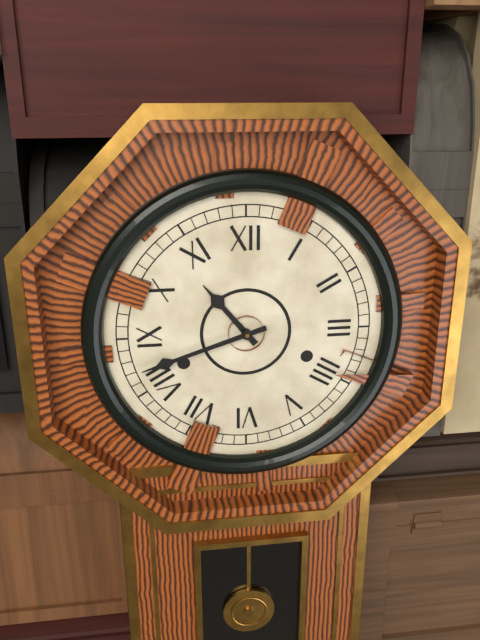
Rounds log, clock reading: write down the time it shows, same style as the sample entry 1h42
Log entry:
10h42
